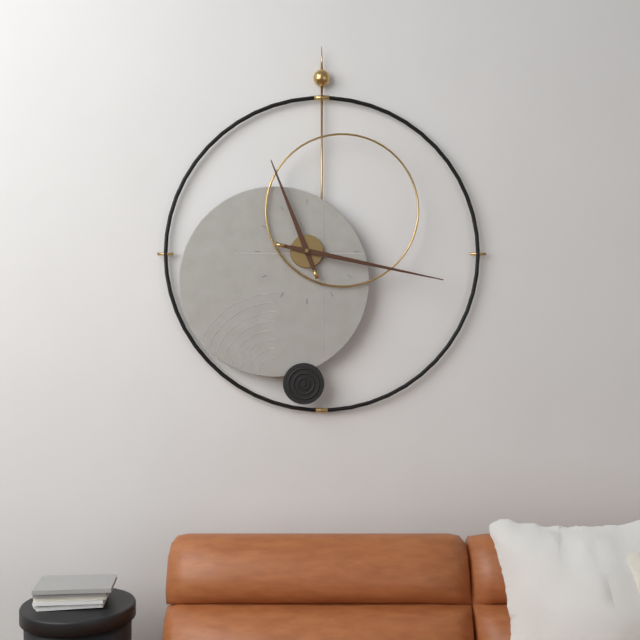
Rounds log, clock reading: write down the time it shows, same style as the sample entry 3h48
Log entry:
11h17
